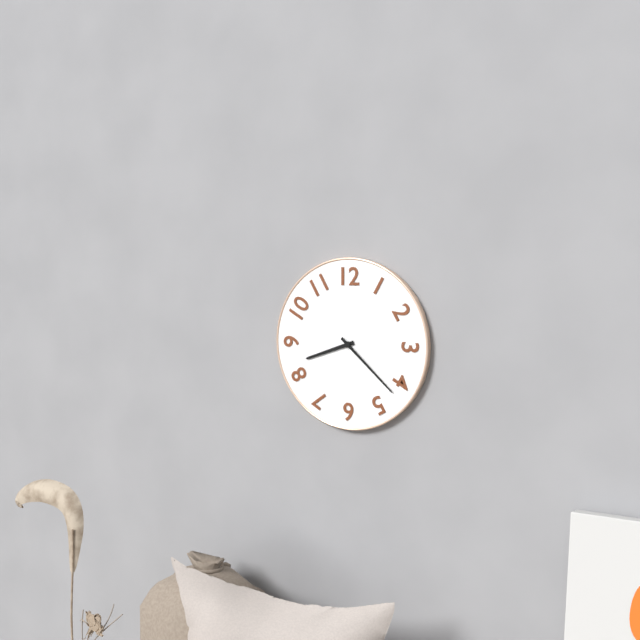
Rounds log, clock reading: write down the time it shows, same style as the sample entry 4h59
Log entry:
8h22
